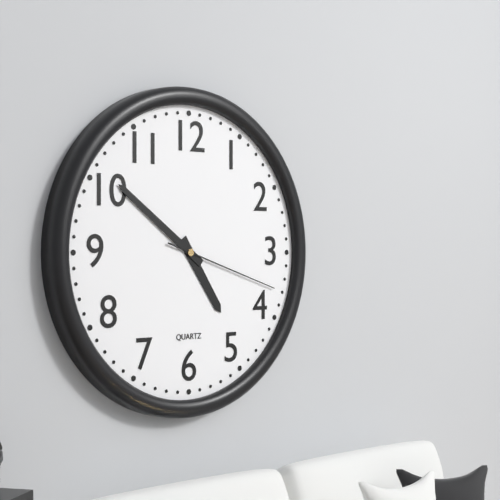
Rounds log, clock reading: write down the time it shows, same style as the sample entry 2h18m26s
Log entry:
4h51m18s
